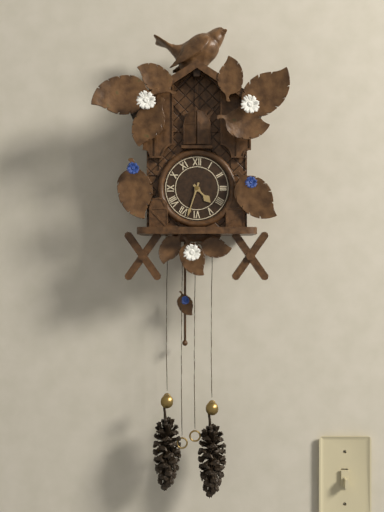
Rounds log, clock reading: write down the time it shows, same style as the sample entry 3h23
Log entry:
4h33
